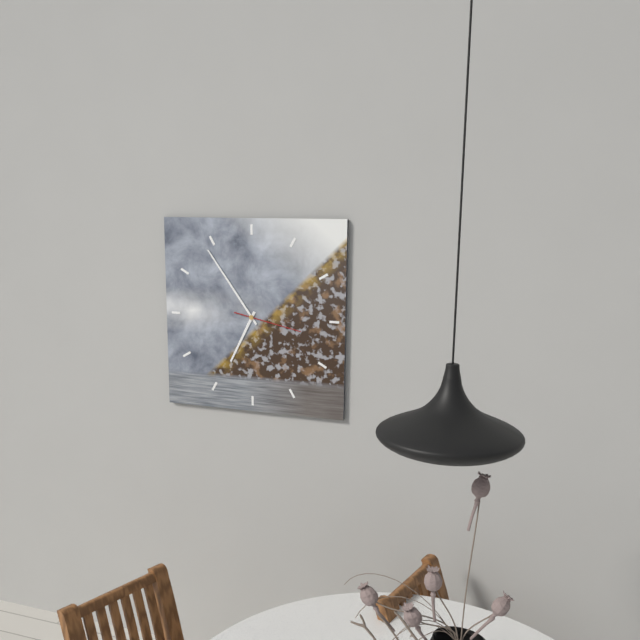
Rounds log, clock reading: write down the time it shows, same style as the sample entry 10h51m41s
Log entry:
6h54m17s
